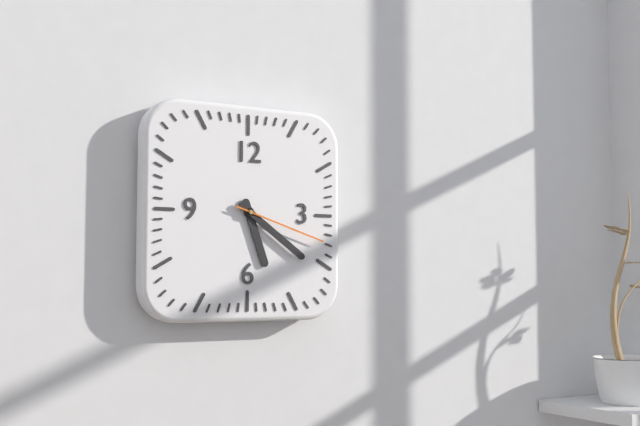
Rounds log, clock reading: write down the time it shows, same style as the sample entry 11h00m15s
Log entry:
5h21m18s
